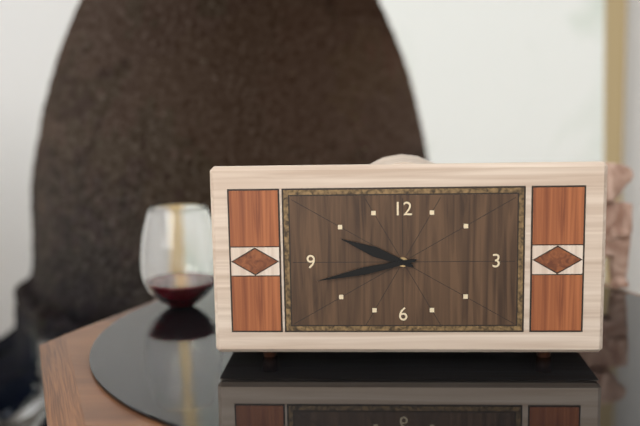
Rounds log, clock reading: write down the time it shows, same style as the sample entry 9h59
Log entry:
9h43
